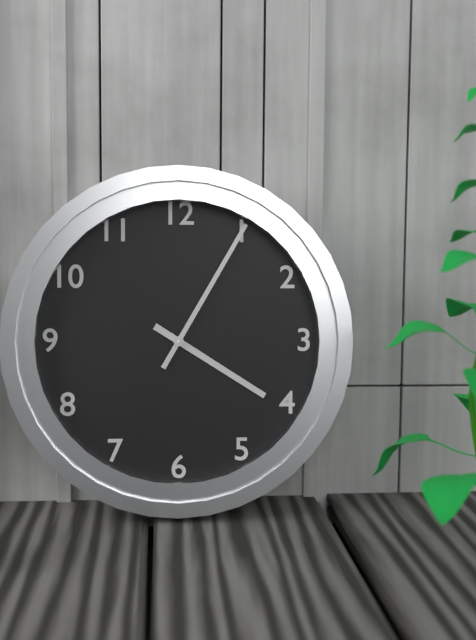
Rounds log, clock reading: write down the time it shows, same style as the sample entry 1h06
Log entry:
4h05
